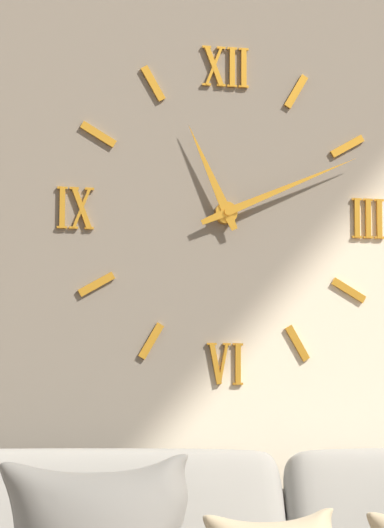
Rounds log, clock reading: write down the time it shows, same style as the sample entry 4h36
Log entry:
11h11
